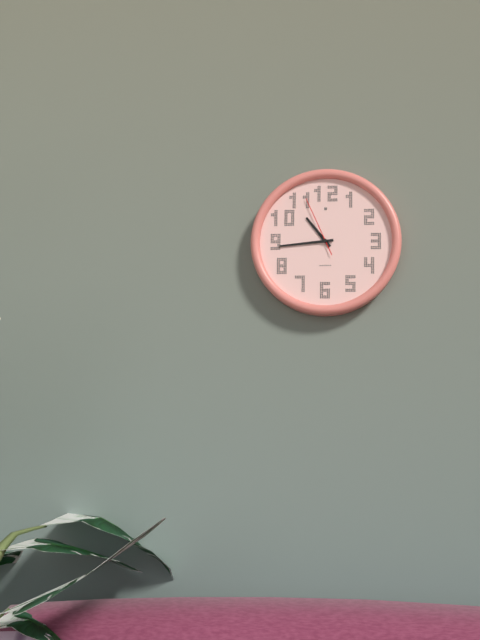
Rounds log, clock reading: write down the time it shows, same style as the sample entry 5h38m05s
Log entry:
10h44m56s
